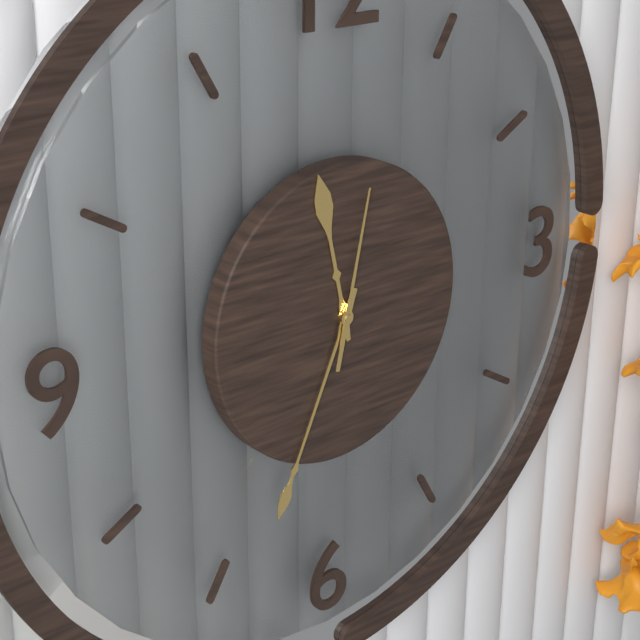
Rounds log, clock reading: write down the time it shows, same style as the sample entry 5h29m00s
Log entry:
11h34m02s
